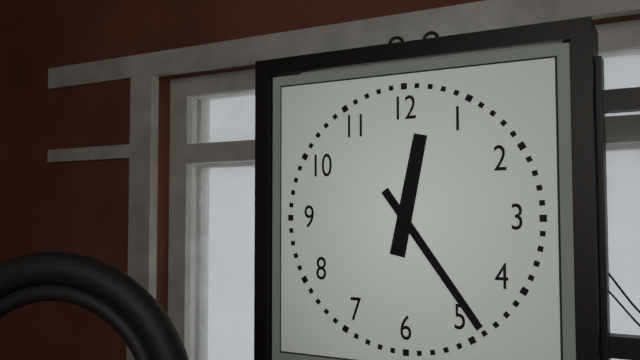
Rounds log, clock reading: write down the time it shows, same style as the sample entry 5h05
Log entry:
12h24
